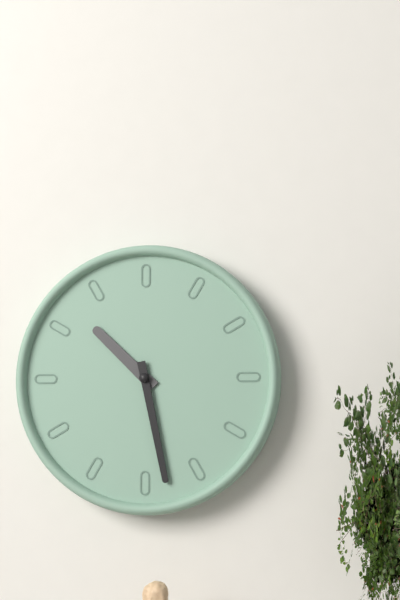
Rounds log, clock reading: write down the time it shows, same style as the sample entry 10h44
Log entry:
10h28
